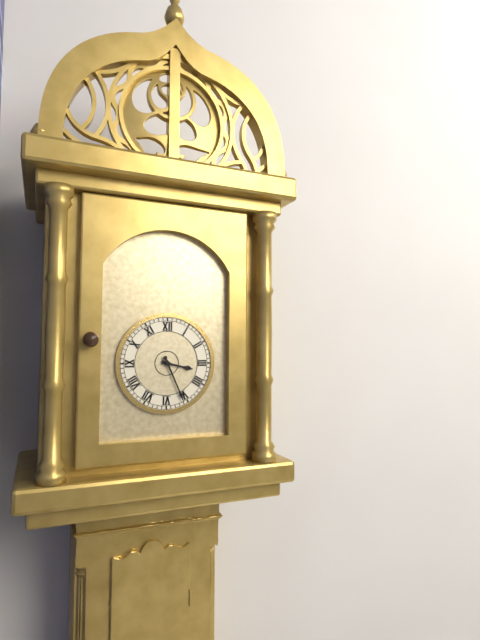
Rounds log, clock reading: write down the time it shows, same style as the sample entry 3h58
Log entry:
3h26
